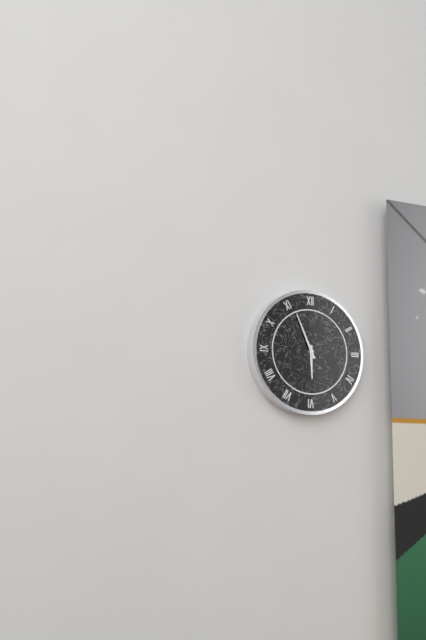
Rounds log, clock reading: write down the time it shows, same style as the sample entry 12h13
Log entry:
5h56
